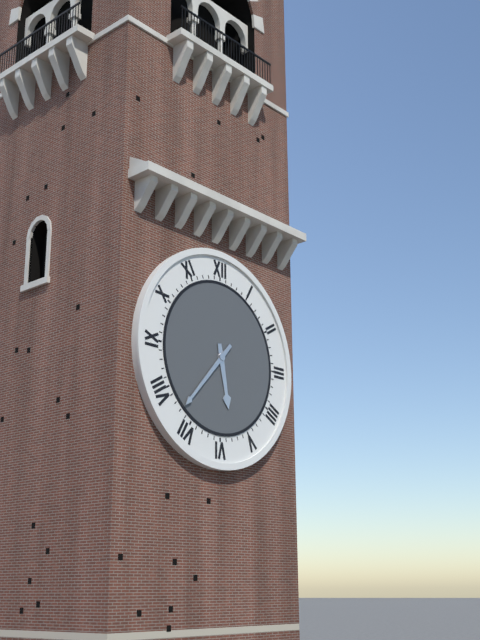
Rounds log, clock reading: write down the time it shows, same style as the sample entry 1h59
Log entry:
5h37
